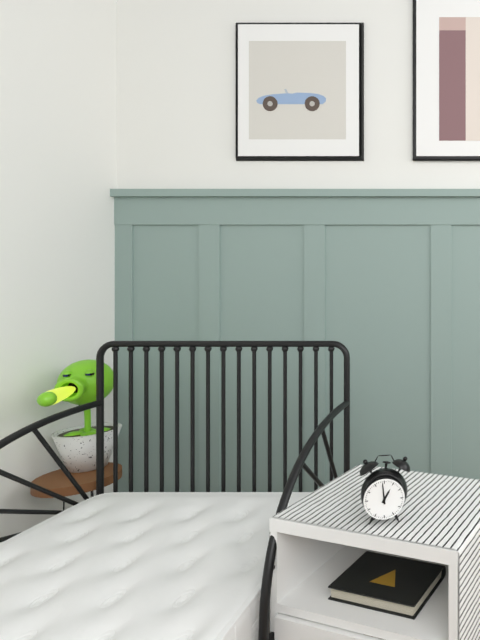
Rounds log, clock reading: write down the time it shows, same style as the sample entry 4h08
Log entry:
12h59
